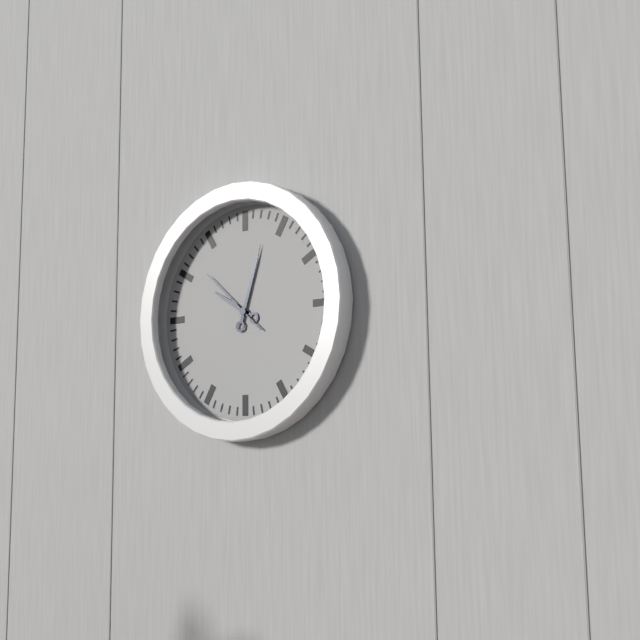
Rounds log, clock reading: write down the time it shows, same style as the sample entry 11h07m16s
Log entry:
10h03m52s
